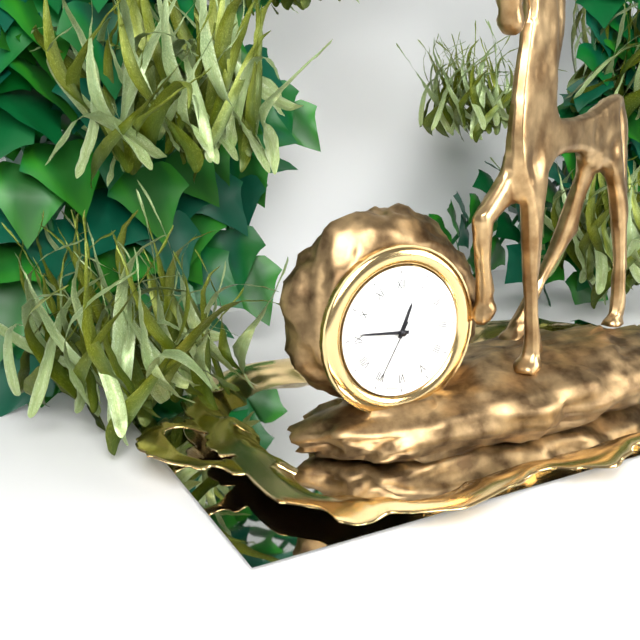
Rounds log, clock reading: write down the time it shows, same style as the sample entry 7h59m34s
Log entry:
12h46m35s
